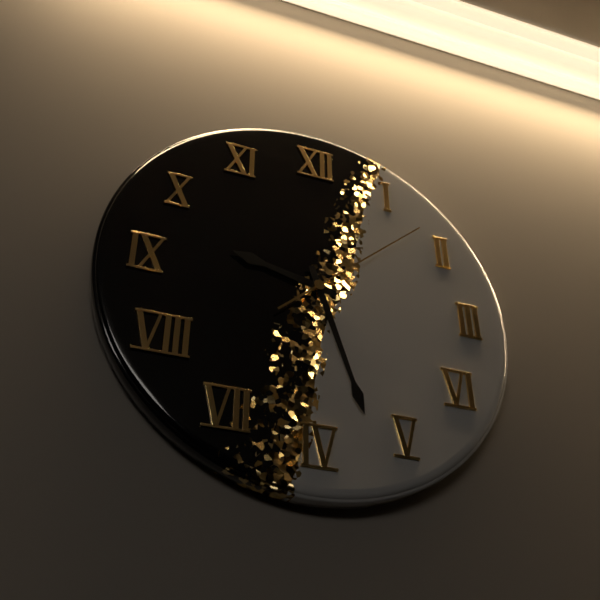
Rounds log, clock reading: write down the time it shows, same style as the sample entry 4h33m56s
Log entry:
9h27m08s
